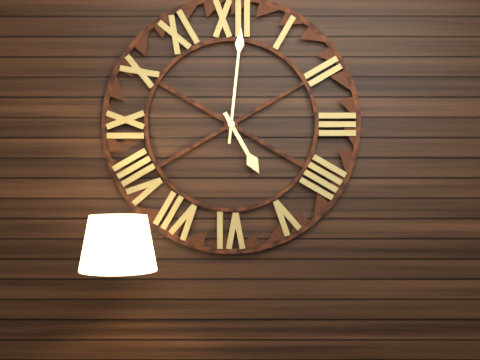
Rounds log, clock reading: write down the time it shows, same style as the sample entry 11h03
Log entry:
5h01
